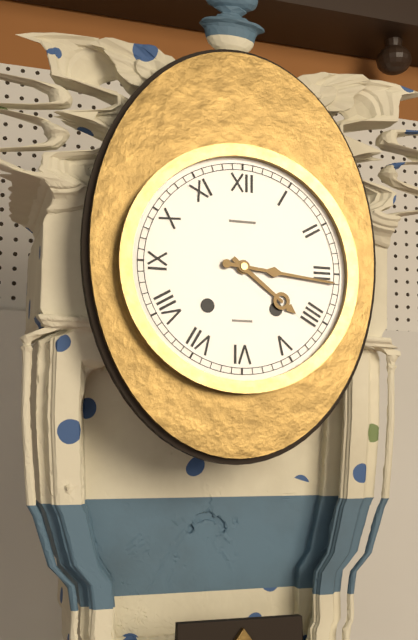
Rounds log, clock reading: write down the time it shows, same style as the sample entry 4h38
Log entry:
4h16
